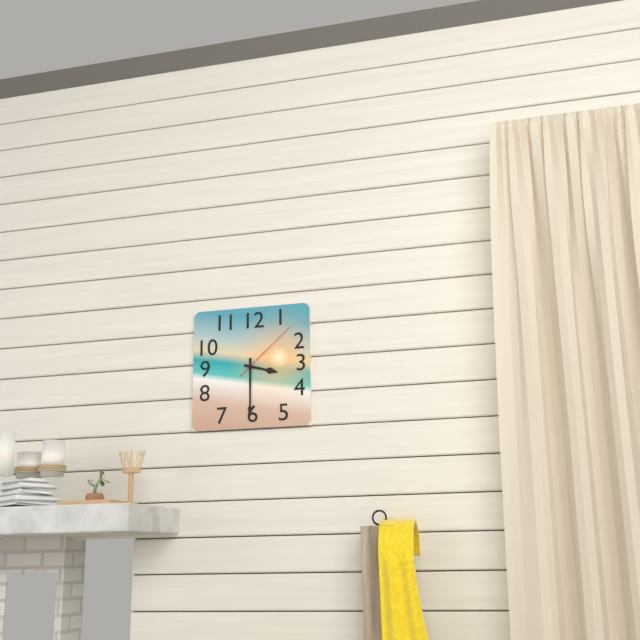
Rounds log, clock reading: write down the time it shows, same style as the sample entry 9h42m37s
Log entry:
3h30m08s
